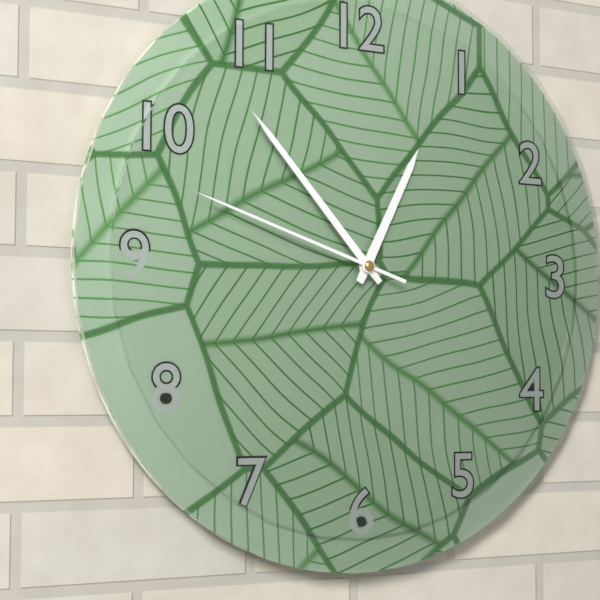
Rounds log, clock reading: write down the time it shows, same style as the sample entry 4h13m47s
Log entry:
12h53m48s
